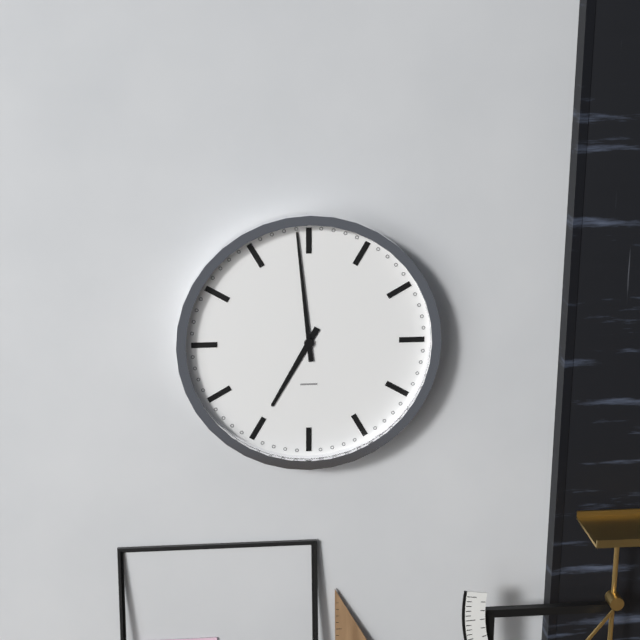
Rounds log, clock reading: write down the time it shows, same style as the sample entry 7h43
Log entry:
6h59
